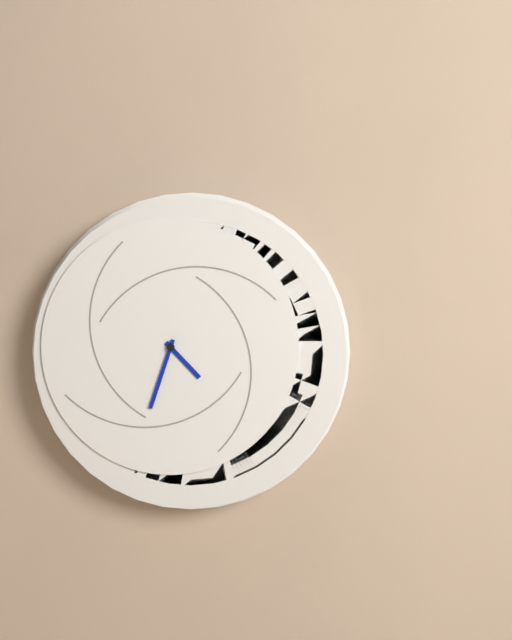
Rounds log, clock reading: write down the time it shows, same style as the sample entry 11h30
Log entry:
4h33
